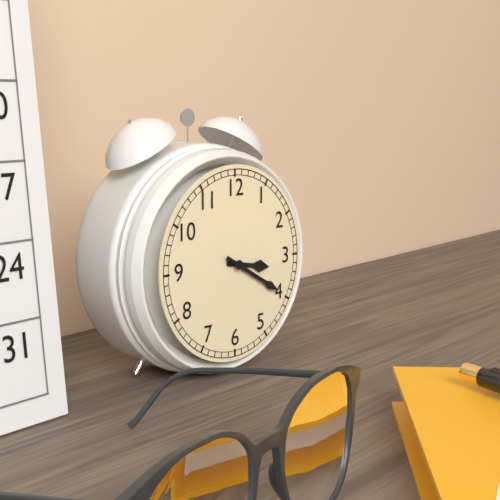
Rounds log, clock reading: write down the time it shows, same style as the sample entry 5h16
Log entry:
3h20
